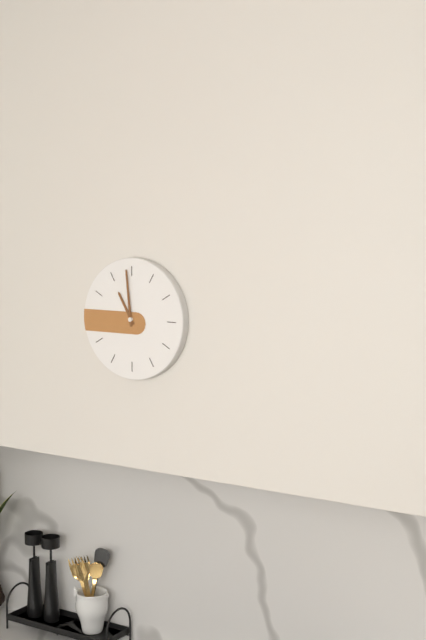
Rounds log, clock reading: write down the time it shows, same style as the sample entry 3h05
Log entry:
10h59
